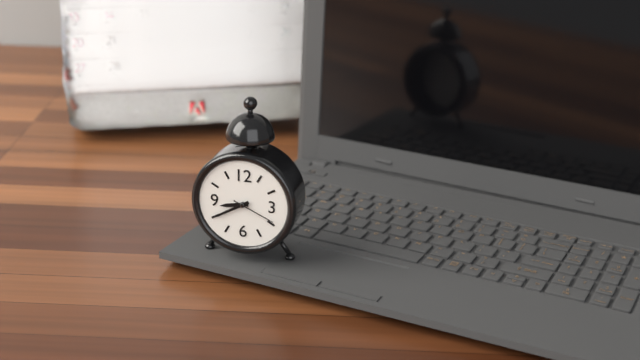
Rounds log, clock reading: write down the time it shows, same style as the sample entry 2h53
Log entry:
8h40
